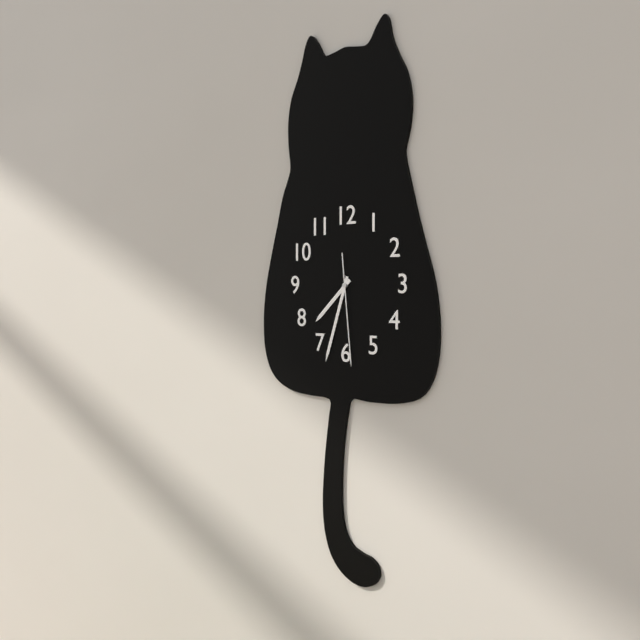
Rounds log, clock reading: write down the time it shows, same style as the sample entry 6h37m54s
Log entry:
7h33m29s
